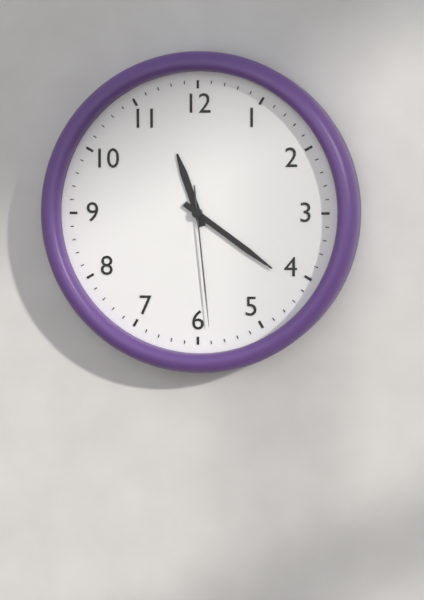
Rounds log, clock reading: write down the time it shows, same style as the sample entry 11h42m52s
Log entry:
11h21m29s
